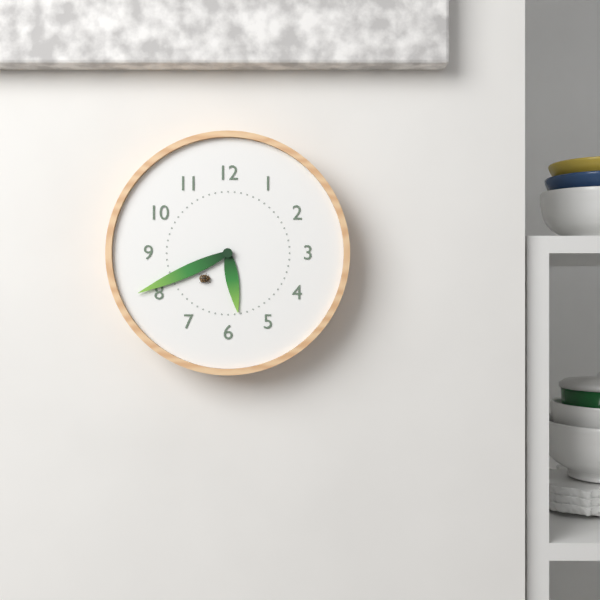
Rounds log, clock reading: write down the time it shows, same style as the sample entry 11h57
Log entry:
5h41
